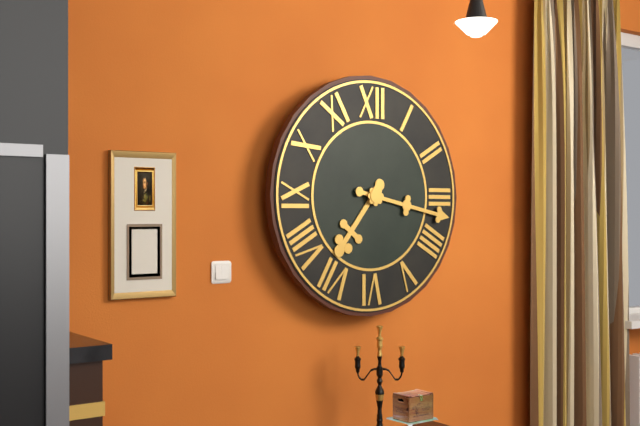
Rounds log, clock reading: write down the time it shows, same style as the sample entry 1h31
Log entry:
7h17
